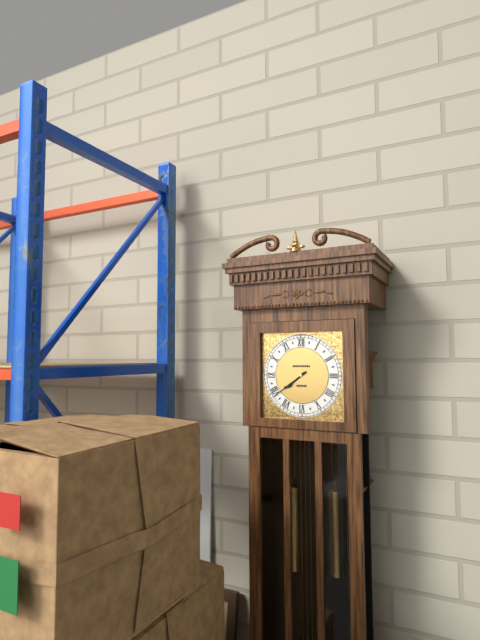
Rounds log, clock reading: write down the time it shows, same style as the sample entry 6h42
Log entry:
7h39
